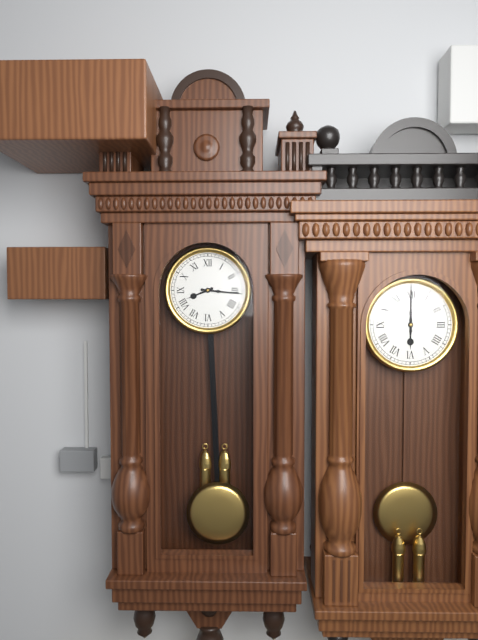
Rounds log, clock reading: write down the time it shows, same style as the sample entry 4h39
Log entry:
8h16
